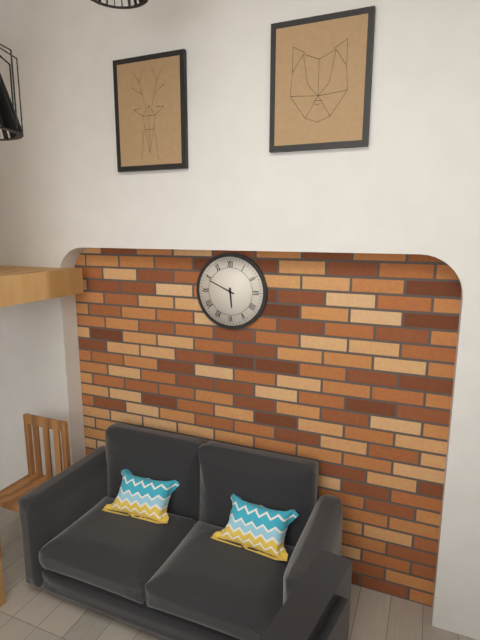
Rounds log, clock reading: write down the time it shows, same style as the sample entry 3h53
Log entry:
5h49
